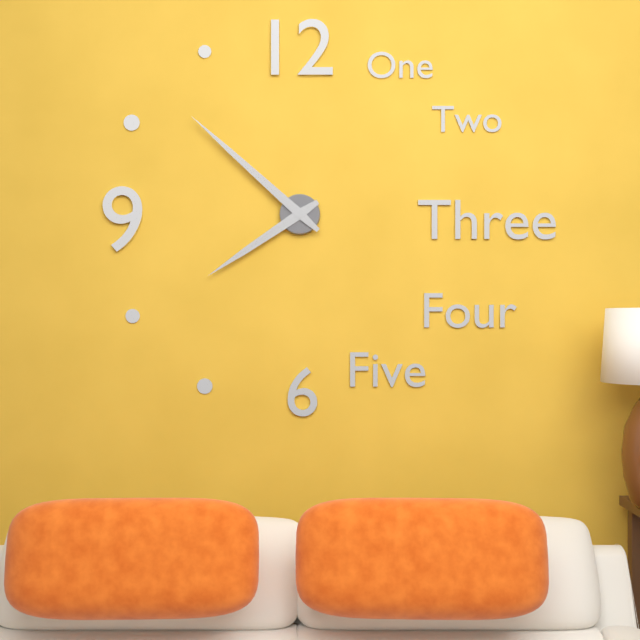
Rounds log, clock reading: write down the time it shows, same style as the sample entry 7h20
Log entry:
7h52
